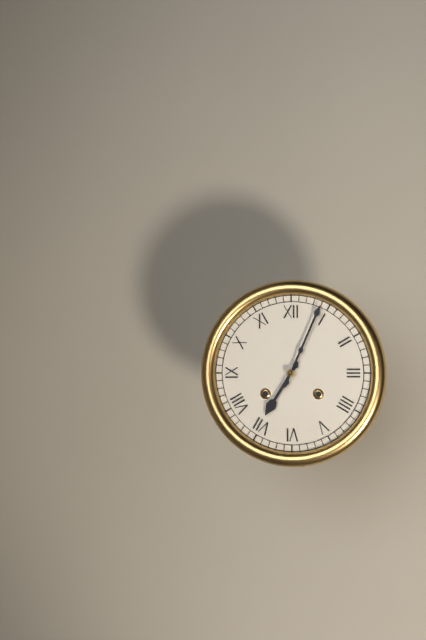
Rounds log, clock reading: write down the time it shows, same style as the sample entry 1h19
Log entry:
7h04
